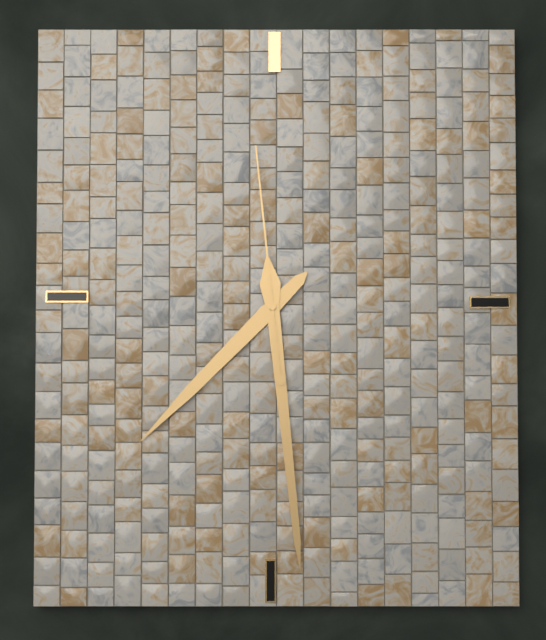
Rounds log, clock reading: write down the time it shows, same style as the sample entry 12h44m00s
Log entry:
7h29m59s
